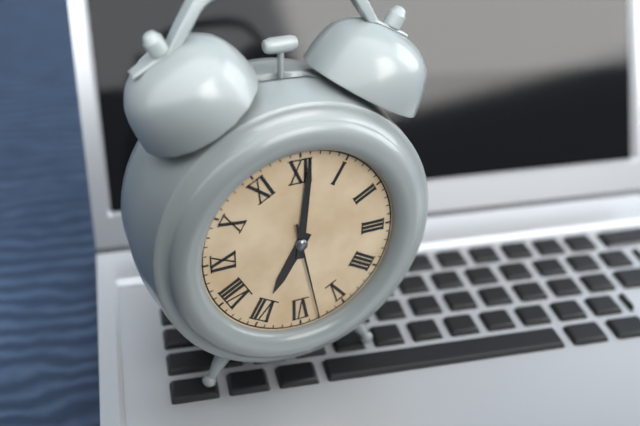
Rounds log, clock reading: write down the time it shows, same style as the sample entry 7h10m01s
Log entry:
7h01m28s
